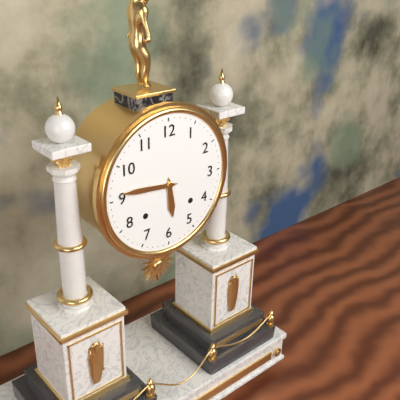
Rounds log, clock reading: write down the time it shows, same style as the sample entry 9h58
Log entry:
5h46
